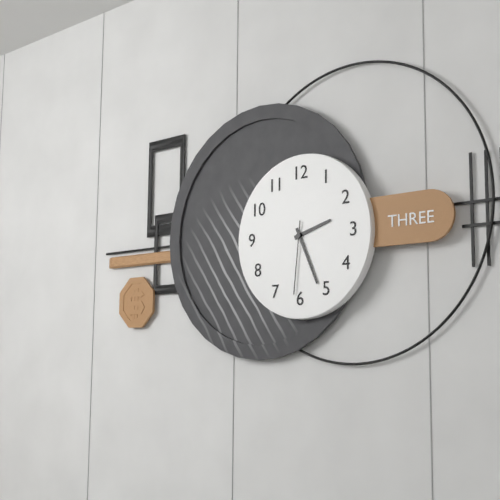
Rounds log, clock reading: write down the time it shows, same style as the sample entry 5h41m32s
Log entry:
2h26m31s
